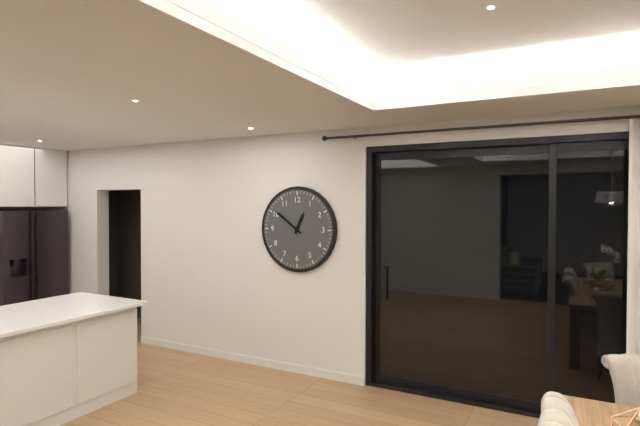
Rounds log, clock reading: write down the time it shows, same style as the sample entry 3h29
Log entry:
12h51
